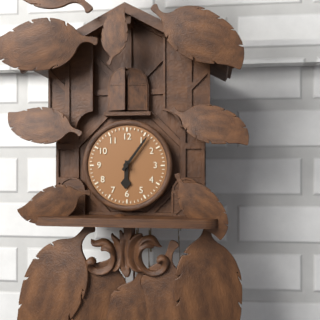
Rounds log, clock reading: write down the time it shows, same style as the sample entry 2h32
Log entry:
6h06
